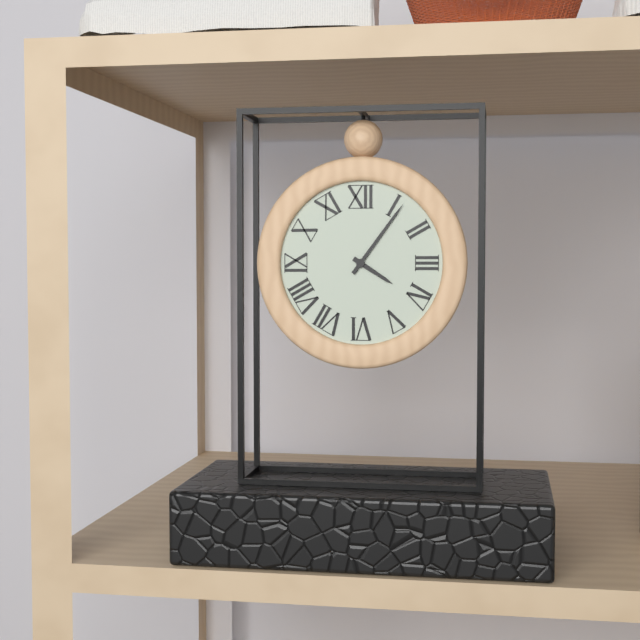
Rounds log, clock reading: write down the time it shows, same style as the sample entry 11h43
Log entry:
4h06
